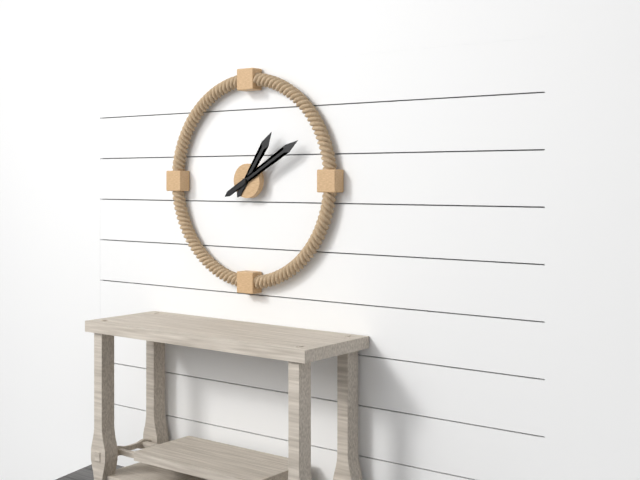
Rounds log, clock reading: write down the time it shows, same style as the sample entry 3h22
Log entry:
1h10
